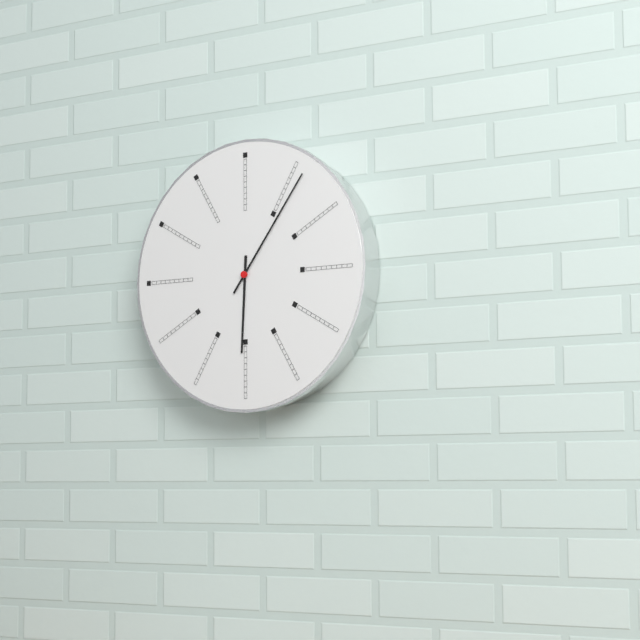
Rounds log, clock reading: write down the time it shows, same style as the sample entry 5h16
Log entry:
6h06
